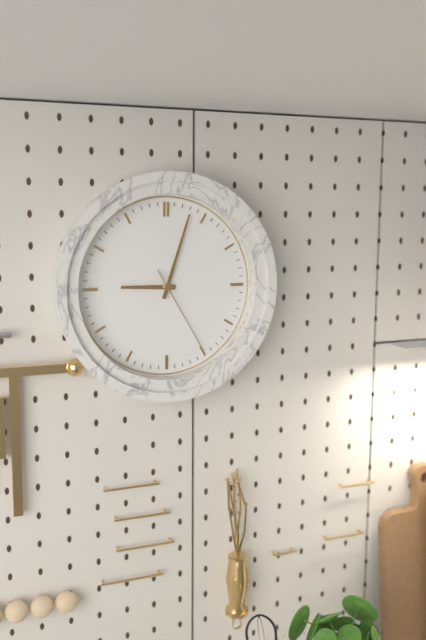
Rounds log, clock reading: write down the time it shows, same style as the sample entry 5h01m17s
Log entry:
9h03m25s
